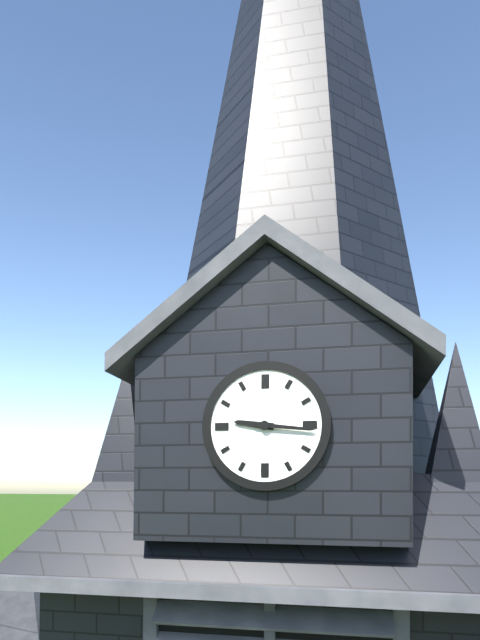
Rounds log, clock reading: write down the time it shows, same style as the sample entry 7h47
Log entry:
9h16
